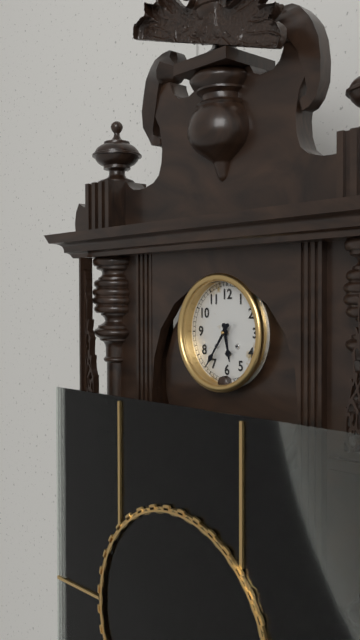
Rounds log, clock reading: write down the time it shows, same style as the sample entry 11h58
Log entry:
5h36
